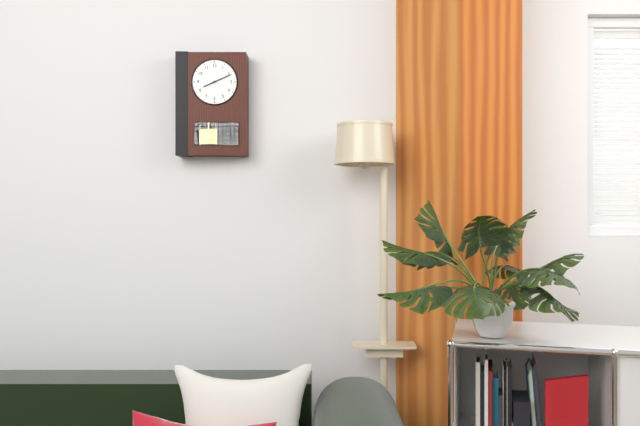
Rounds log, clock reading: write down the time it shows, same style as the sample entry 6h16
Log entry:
8h11
